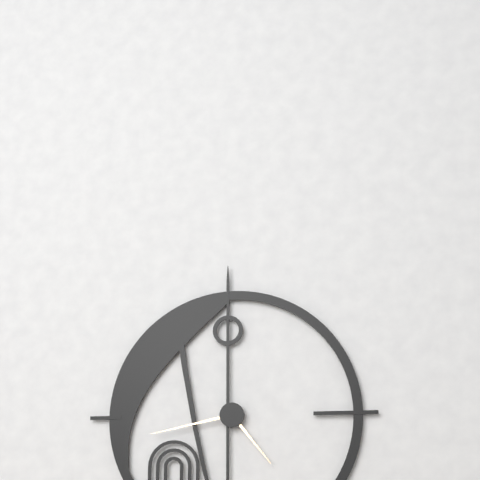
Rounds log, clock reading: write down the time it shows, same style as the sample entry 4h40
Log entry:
4h43
